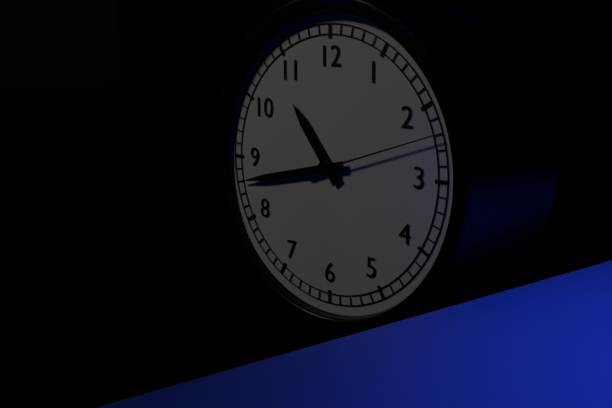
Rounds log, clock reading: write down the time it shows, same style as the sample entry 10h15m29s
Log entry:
10h43m12s
